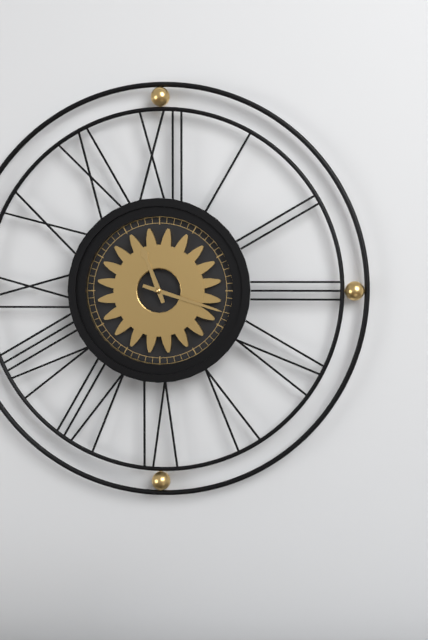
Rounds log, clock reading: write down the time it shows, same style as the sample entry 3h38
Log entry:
11h18
